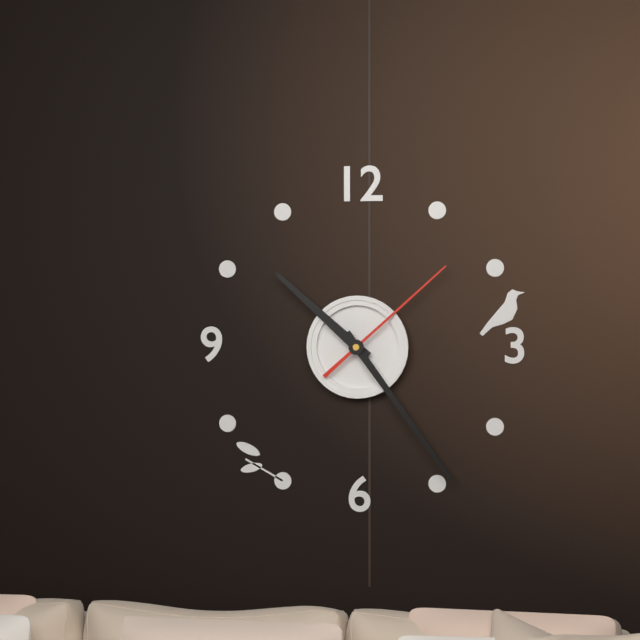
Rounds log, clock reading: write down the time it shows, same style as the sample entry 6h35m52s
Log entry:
10h24m08s
